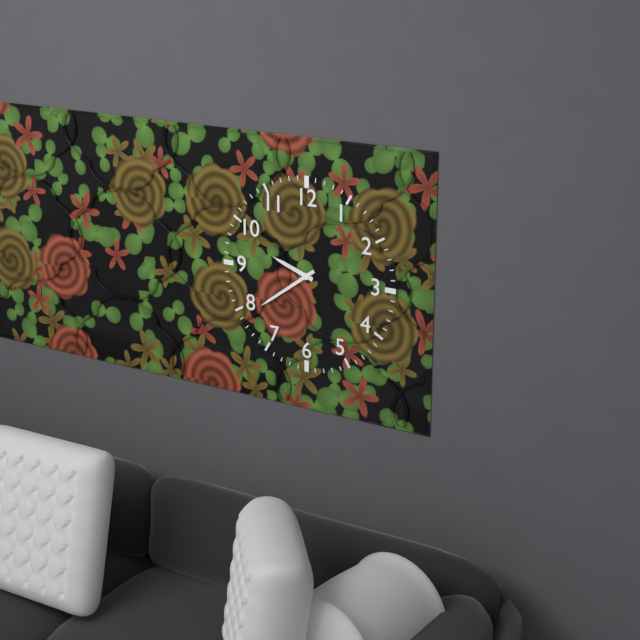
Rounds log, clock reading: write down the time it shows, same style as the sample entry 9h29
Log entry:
9h39
